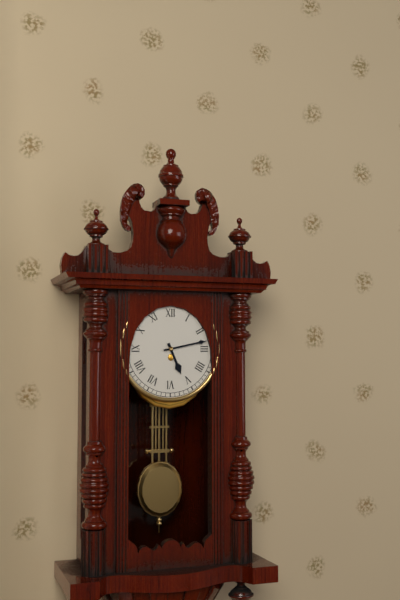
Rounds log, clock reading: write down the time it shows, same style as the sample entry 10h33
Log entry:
5h13
